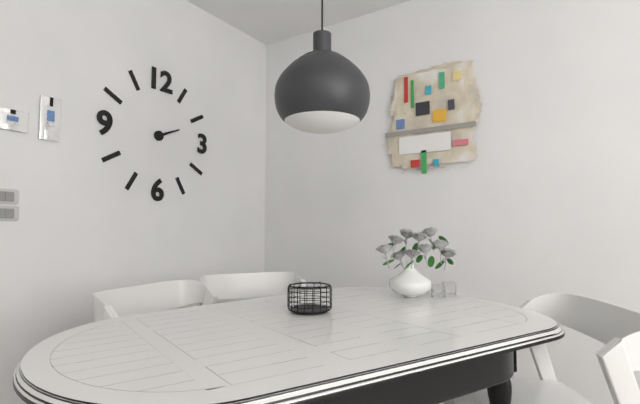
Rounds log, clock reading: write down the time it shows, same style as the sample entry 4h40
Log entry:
2h11
